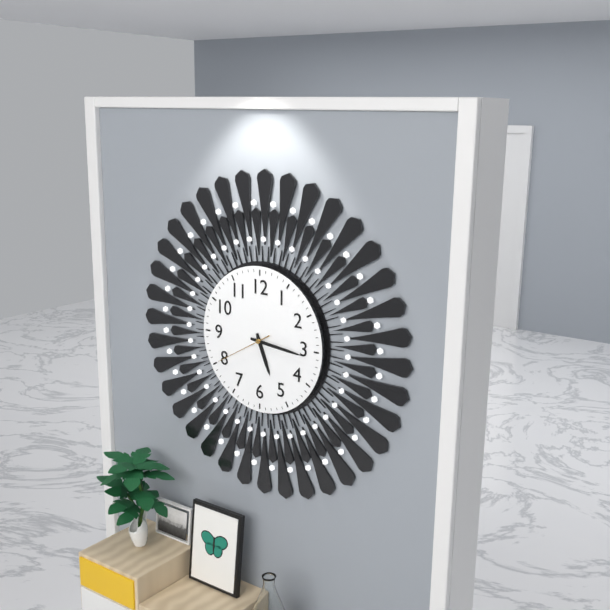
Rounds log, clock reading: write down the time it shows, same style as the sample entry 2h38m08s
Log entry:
5h16m40s
